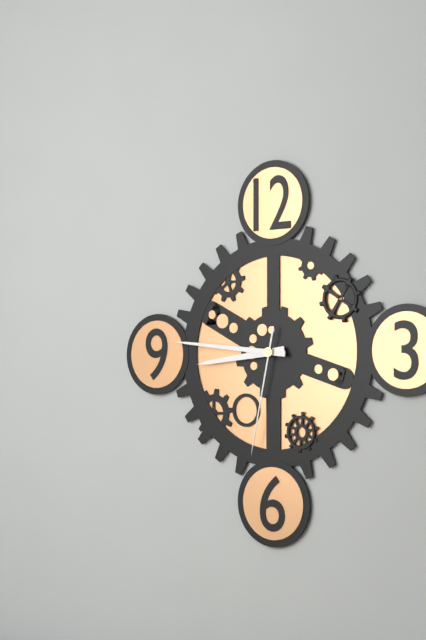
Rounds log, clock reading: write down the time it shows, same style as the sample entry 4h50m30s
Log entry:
8h46m32s
